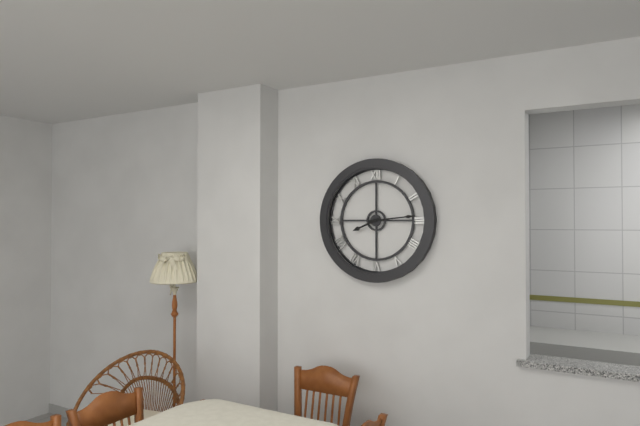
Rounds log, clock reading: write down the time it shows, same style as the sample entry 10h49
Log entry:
8h14
